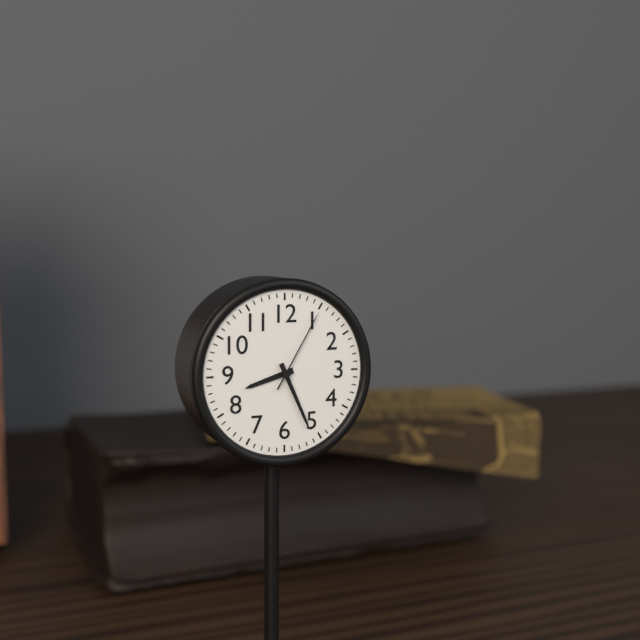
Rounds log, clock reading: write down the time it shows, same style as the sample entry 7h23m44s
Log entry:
8h26m05s
